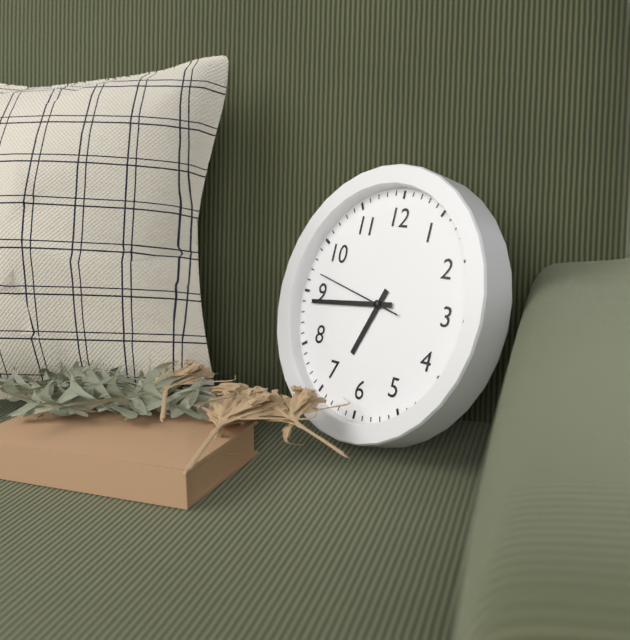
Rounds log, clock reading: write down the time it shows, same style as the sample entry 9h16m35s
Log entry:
6h44m47s
